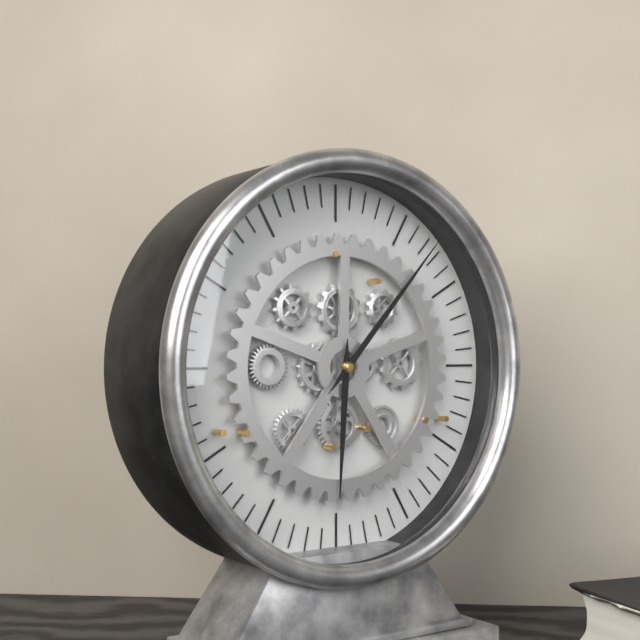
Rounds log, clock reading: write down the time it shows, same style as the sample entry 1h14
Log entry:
6h07
